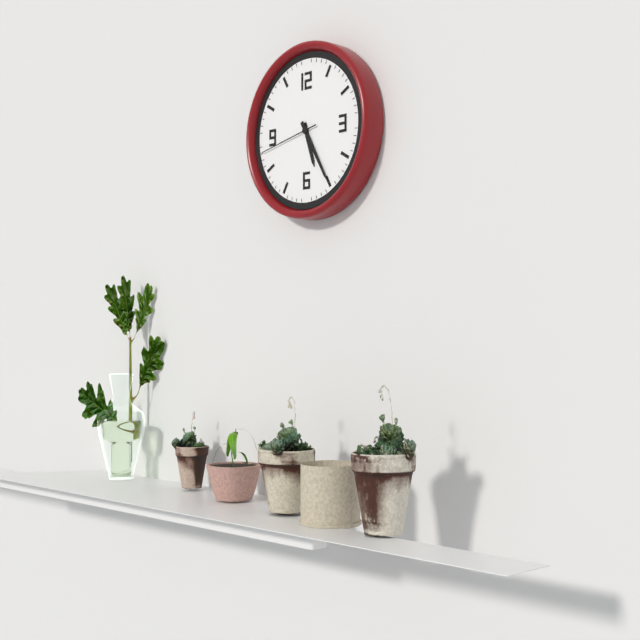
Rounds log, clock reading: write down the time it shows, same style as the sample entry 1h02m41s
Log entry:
5h25m43s
